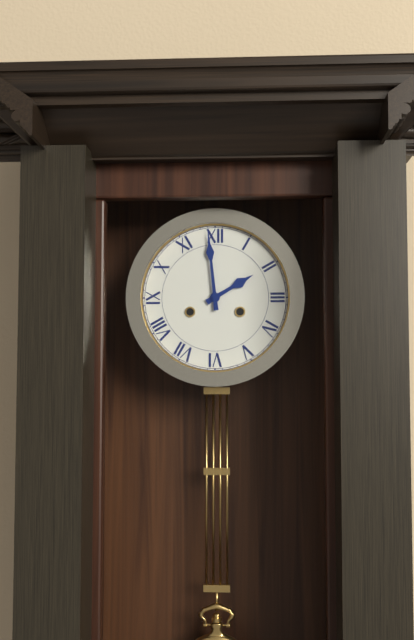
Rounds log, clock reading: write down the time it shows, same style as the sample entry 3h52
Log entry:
1h59
